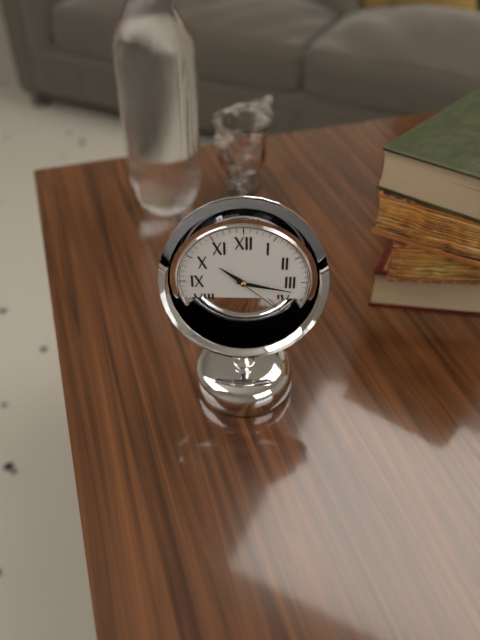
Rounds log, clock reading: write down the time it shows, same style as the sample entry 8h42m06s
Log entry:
10h17m22s
